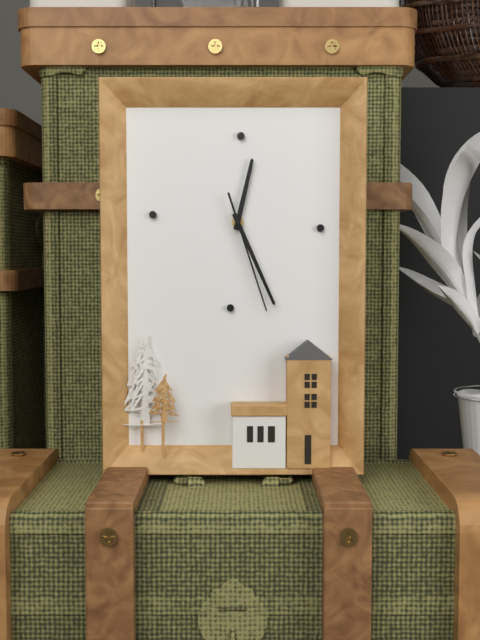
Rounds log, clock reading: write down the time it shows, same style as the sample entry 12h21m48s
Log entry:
12h26m27s
